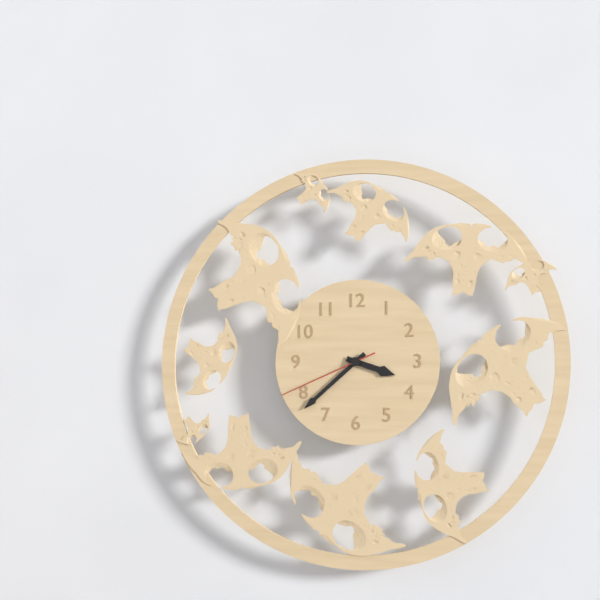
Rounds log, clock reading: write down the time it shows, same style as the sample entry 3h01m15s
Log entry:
3h38m41s
